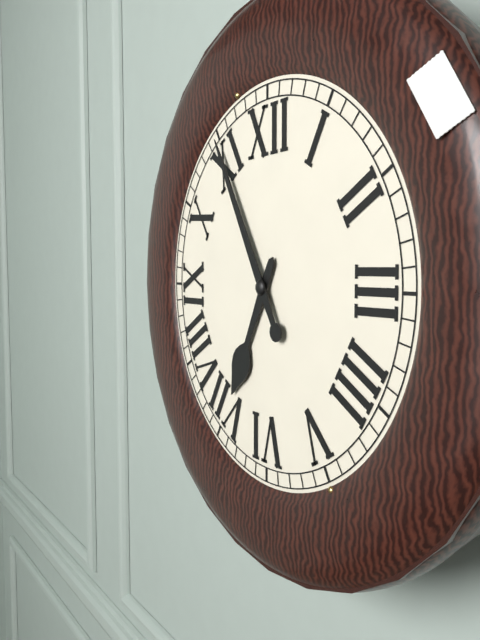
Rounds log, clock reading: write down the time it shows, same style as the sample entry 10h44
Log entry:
6h55
